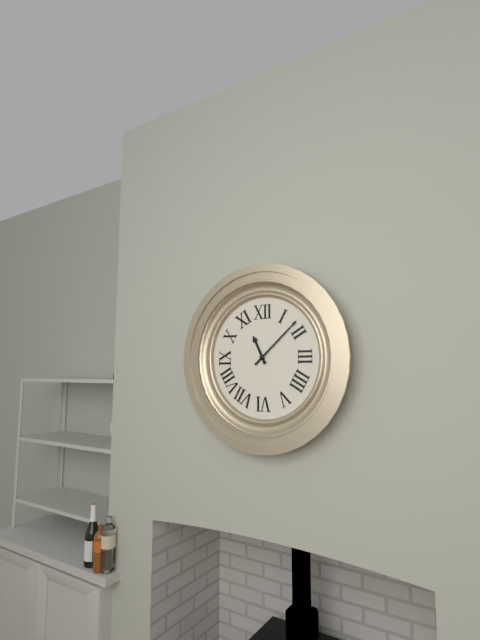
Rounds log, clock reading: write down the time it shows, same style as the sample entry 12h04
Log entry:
11h08
